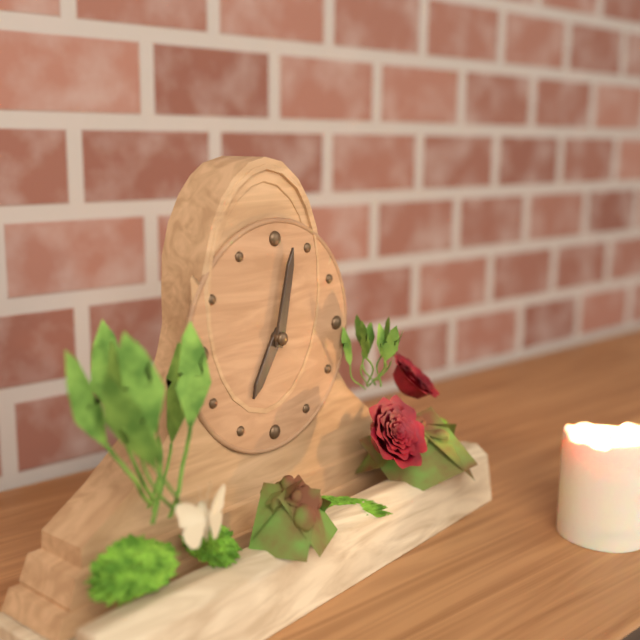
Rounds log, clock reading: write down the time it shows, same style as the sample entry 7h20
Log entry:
7h02
